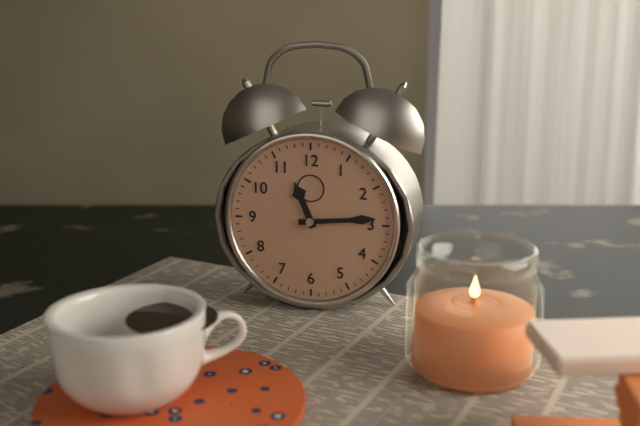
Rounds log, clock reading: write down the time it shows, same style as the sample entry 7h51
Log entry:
11h14
